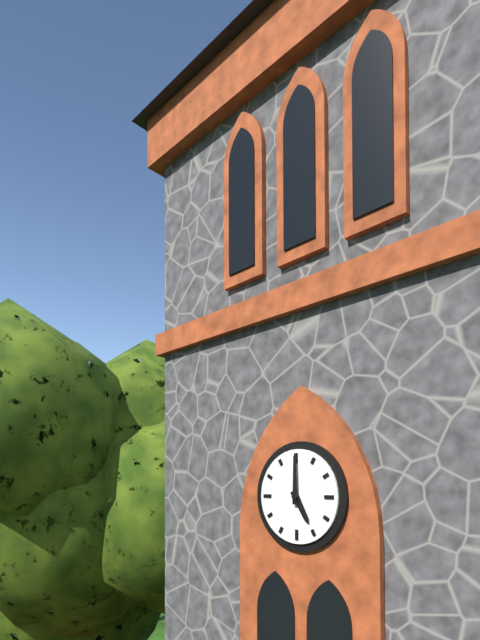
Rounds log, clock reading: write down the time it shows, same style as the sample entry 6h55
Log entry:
5h00
